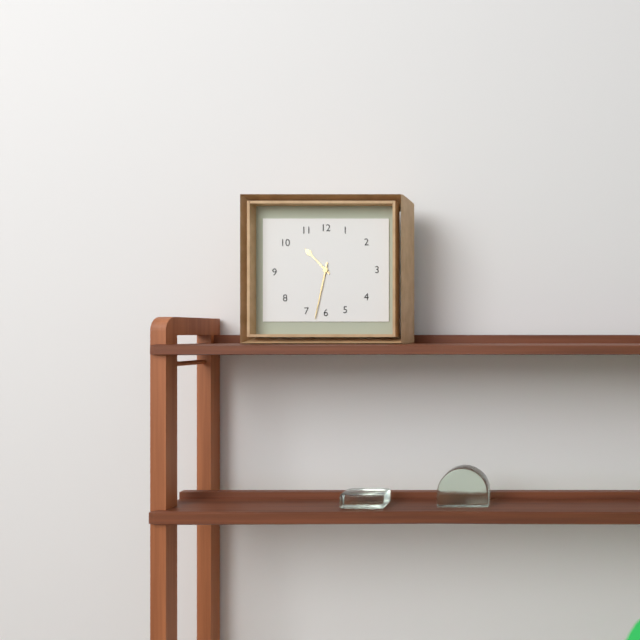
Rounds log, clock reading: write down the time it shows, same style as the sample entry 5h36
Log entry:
10h32
